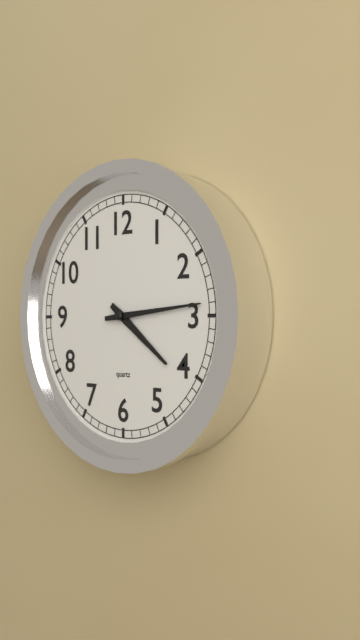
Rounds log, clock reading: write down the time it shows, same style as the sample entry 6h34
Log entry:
4h14
